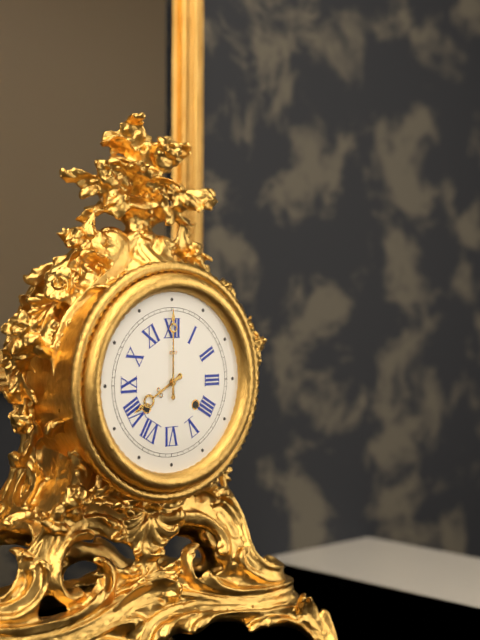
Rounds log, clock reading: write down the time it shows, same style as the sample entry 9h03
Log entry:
8h00
